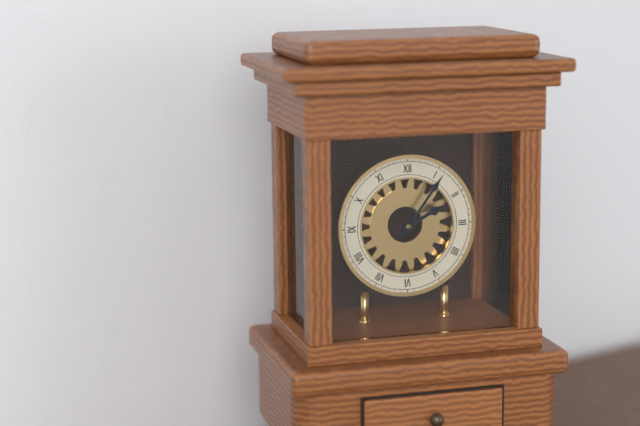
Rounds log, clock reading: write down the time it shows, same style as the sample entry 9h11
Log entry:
2h06
